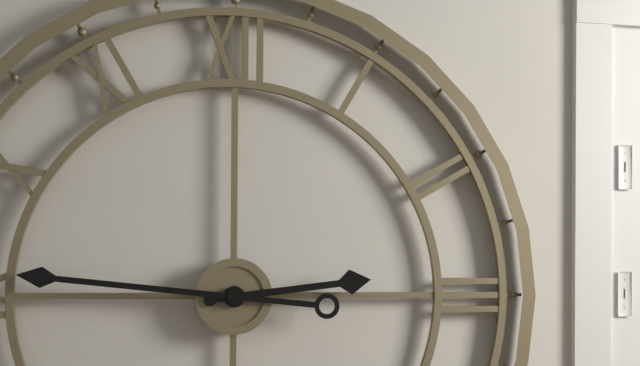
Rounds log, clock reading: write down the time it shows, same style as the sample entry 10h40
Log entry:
2h46
